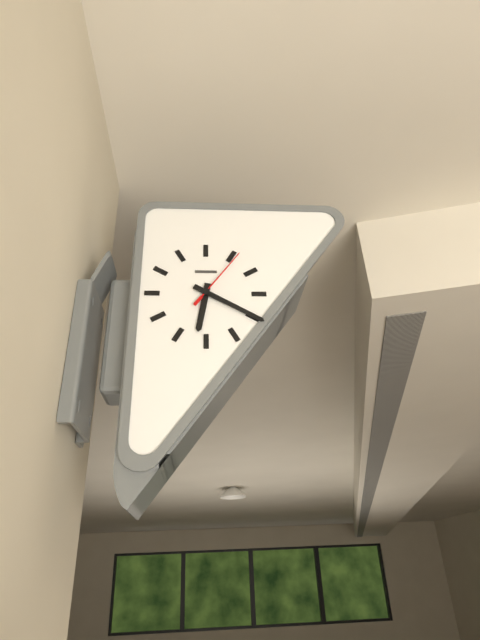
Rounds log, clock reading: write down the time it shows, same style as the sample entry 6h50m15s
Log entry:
6h20m06s
